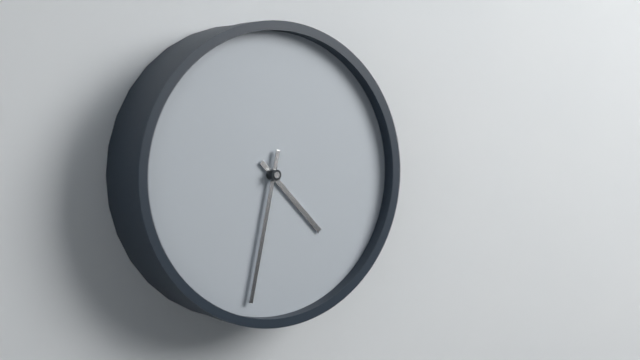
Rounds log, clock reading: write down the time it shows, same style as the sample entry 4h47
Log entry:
4h32
